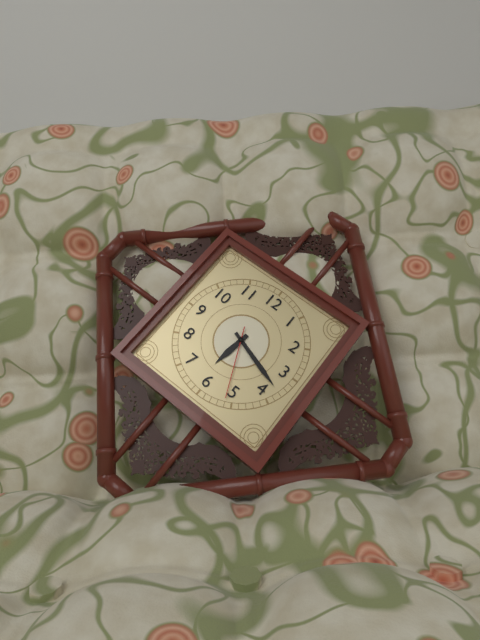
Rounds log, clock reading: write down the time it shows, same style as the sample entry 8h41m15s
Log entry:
6h18m26s
